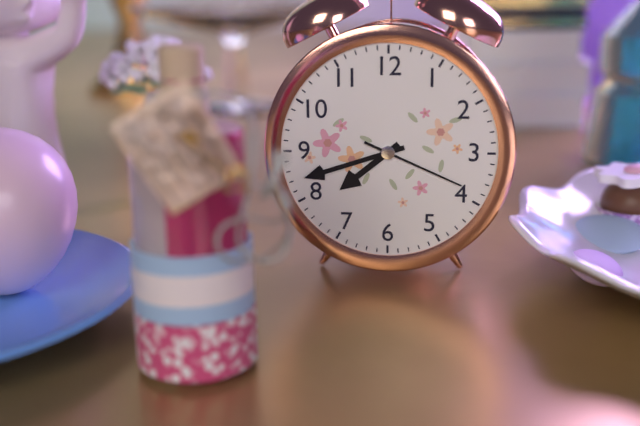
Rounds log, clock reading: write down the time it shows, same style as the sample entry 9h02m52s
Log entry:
7h42m19s
